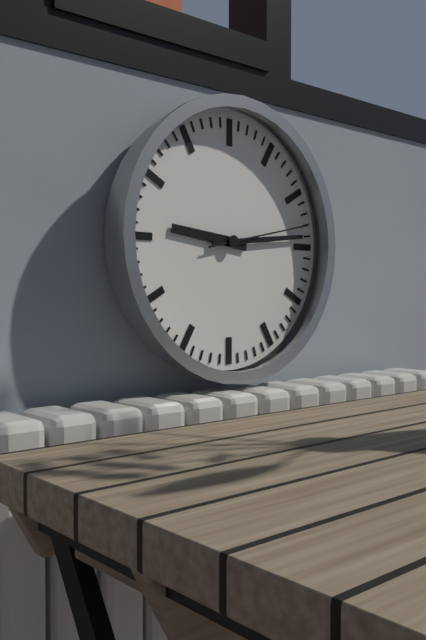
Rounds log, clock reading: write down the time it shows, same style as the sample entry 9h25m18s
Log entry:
9h14m13s
